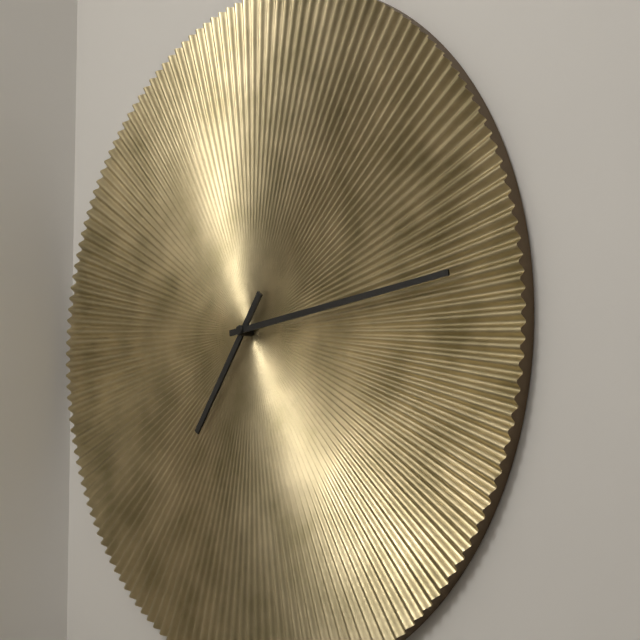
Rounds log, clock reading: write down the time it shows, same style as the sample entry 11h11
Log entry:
7h14
